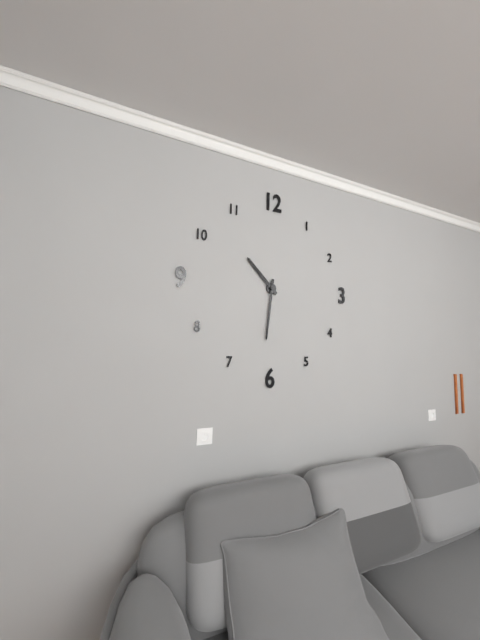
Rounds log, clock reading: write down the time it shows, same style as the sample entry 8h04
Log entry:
10h31
